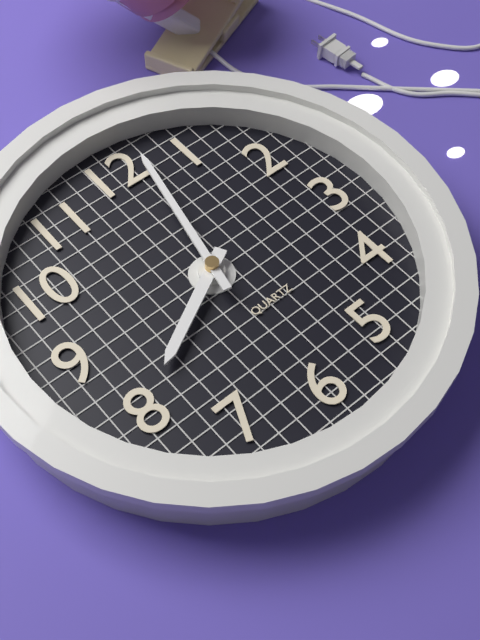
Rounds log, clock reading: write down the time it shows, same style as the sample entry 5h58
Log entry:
8h02
